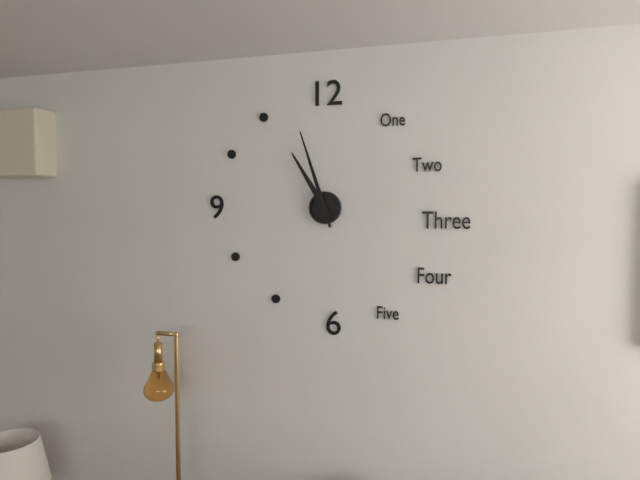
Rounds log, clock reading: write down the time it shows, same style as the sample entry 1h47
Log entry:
10h57
